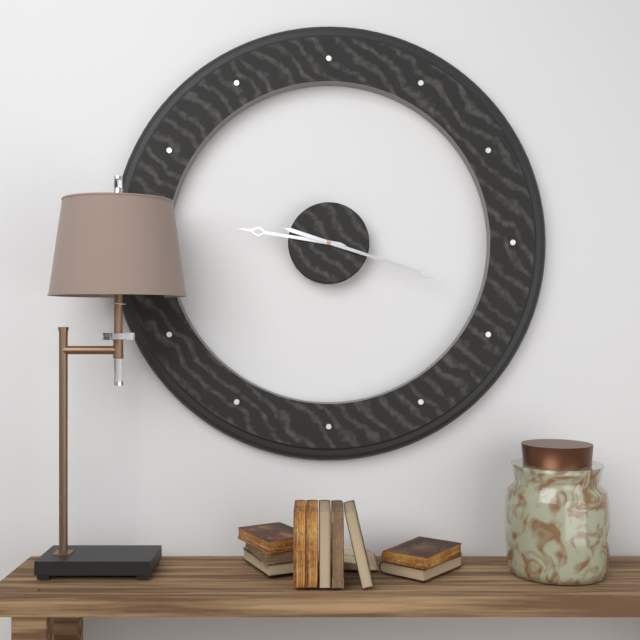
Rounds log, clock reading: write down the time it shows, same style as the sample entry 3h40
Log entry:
9h18
